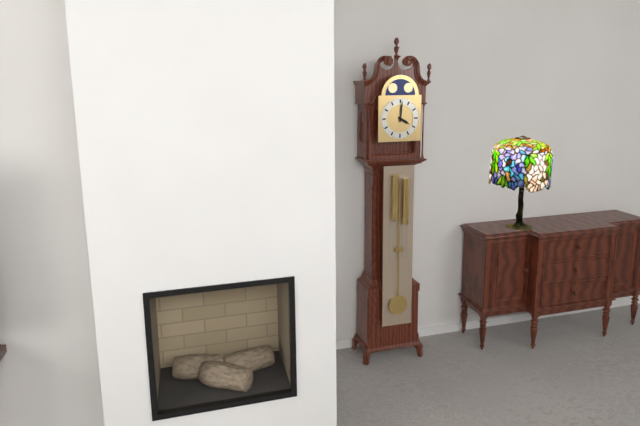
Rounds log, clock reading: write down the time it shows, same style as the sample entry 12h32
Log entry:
4h01
